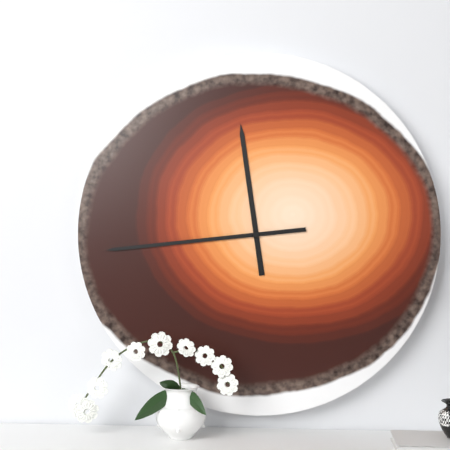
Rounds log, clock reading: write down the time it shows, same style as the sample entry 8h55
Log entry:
11h44
